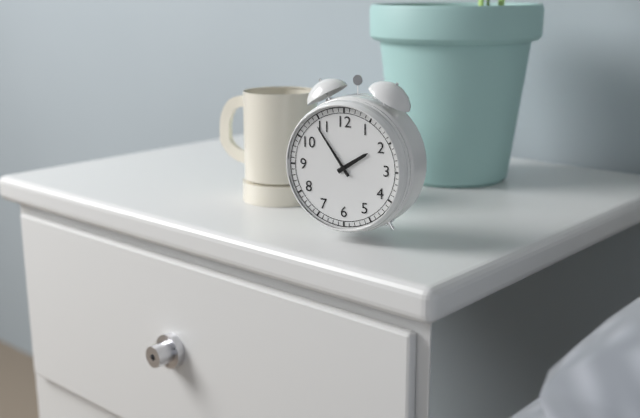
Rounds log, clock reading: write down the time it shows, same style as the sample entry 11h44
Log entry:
1h54
